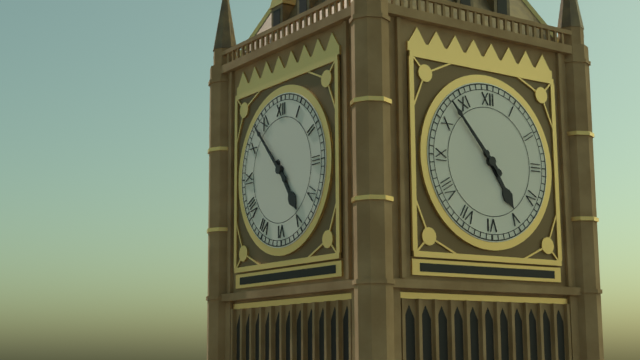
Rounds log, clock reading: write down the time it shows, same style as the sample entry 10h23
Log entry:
4h53
